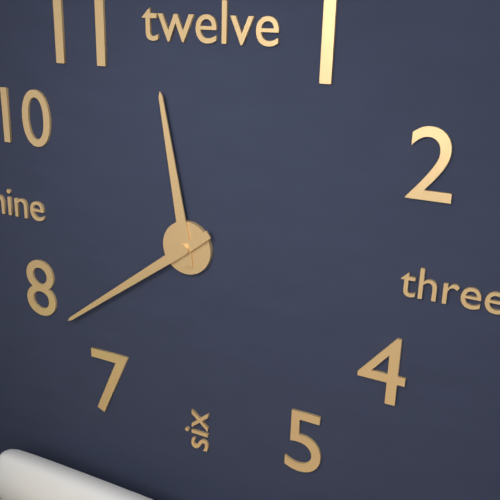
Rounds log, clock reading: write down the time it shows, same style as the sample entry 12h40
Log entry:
11h39
